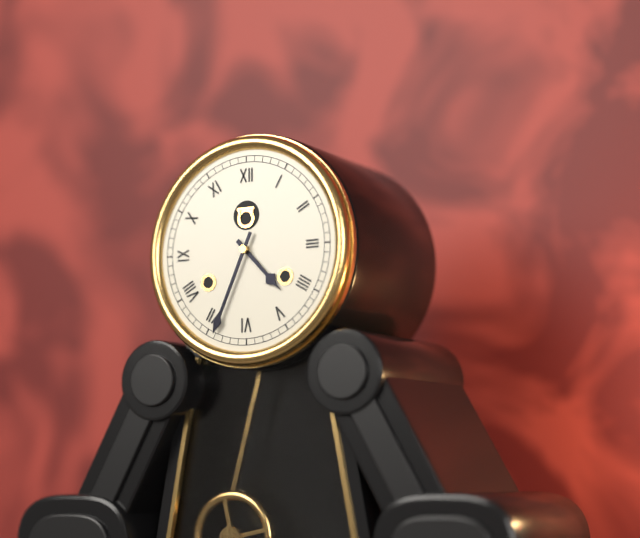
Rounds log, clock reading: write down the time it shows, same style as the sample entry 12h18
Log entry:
4h34
